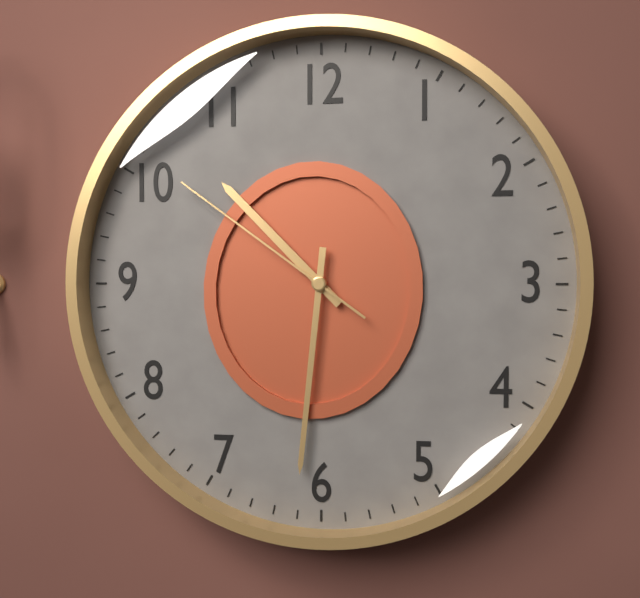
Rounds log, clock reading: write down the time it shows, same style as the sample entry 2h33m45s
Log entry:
10h31m51s
